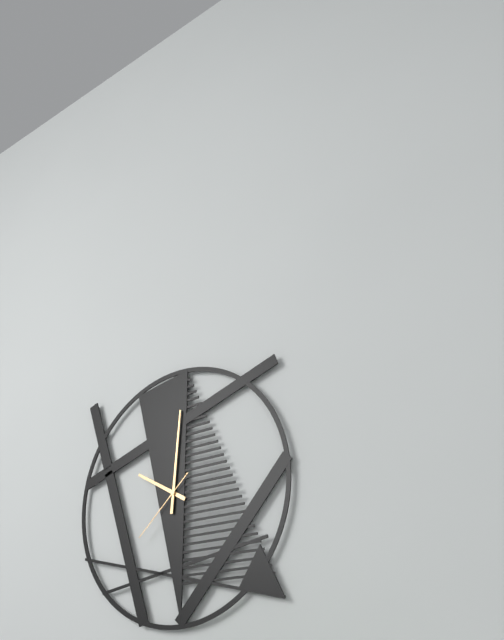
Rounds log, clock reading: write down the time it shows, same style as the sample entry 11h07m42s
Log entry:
10h01m38s
